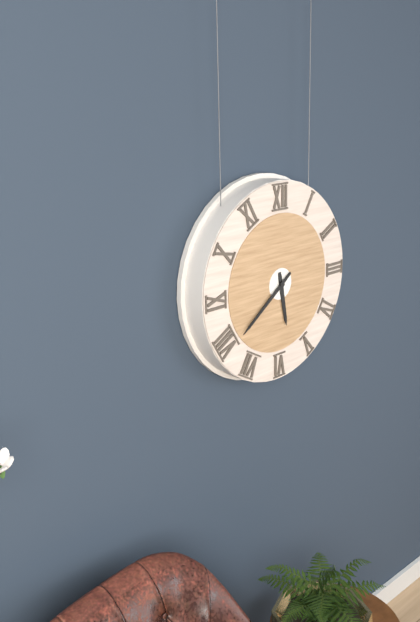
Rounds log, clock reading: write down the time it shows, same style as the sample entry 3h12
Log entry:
5h39
